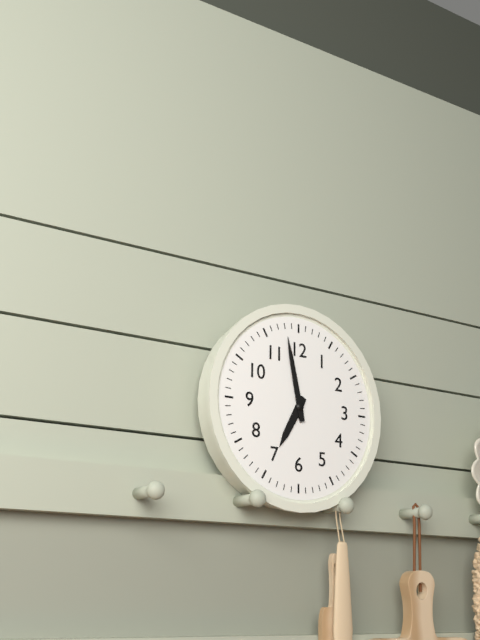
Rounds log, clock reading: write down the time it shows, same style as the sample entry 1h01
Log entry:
6h58
